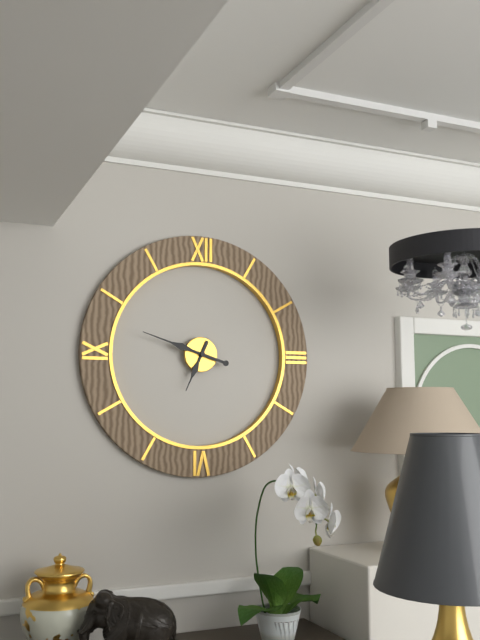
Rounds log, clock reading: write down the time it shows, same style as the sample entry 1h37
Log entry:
6h48
